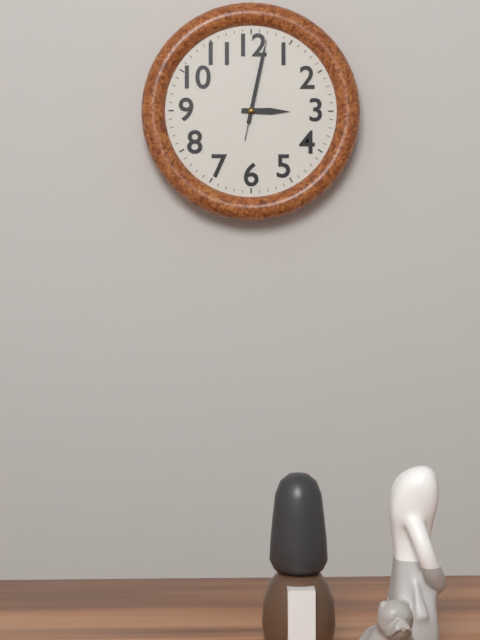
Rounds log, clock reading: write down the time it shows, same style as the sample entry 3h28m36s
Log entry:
3h02m02s
